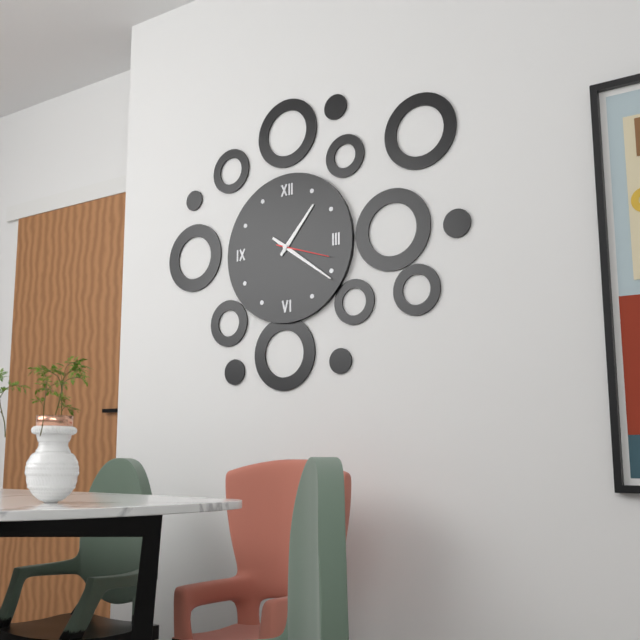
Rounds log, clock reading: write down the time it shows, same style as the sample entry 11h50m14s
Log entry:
1h21m18s
